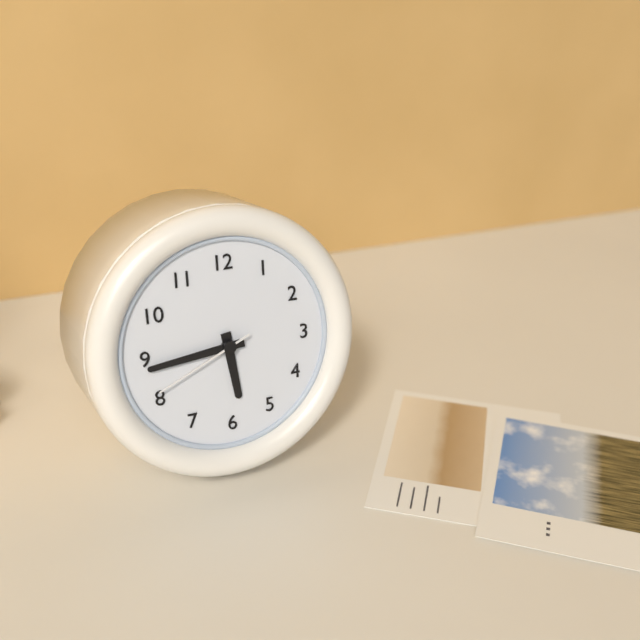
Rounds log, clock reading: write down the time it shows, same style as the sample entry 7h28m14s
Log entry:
5h44m41s
